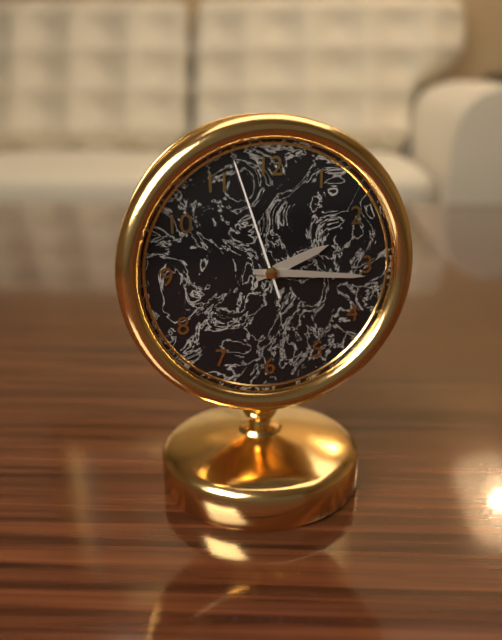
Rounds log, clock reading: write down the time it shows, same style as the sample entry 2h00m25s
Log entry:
2h16m57s
